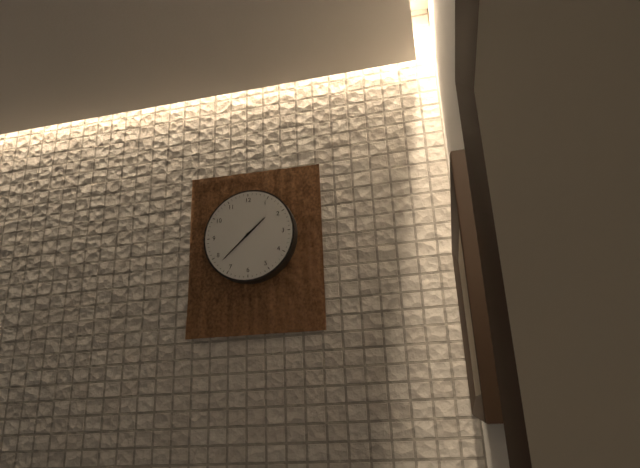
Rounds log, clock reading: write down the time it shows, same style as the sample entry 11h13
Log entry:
1h38
